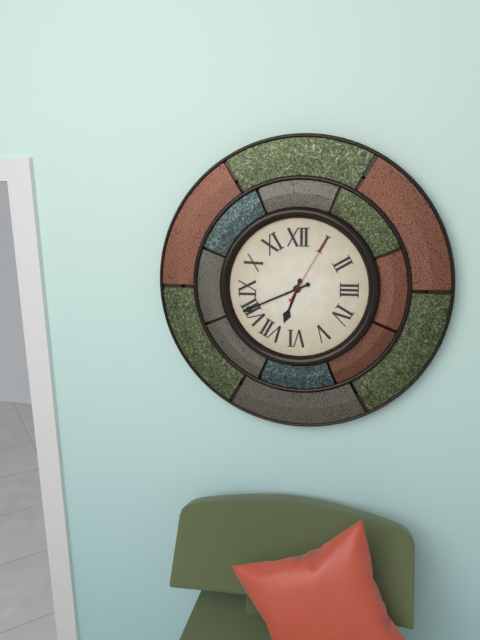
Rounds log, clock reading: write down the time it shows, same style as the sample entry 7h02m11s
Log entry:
6h41m05s
